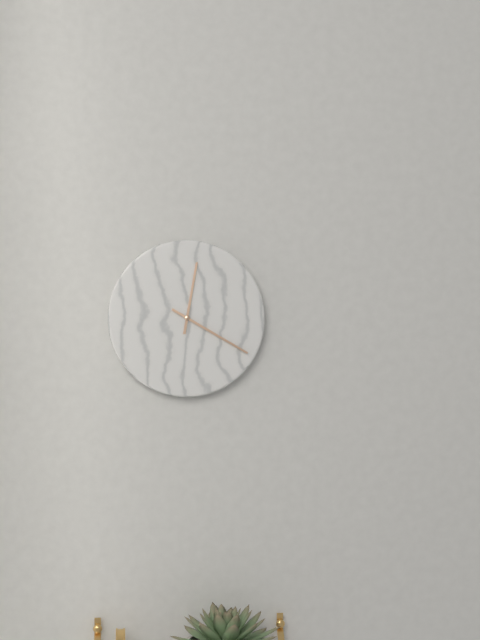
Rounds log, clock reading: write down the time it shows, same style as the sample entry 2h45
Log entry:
12h20
